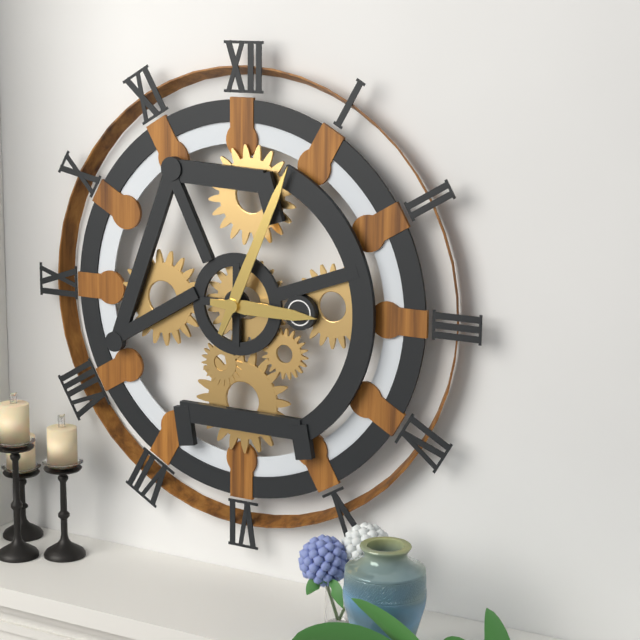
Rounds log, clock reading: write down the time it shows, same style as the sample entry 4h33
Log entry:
3h04
